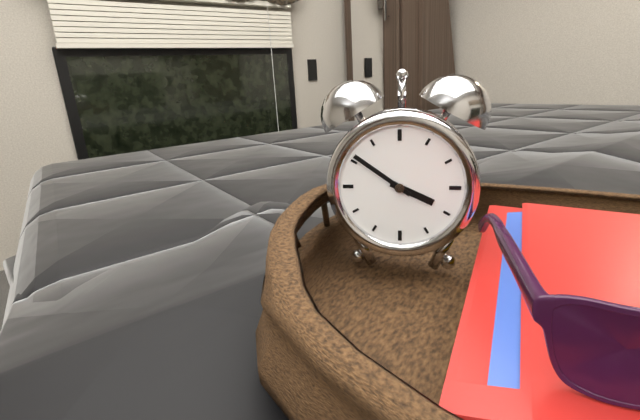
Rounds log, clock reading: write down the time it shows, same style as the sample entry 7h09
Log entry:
3h51
